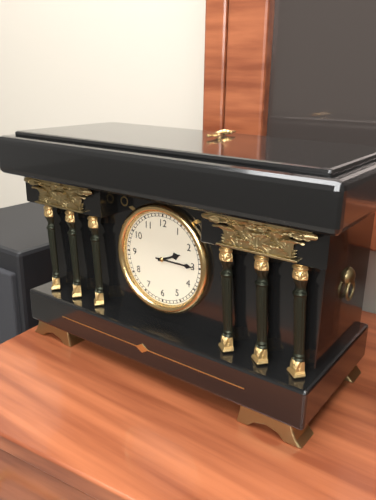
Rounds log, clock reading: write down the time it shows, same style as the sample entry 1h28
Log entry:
2h15
